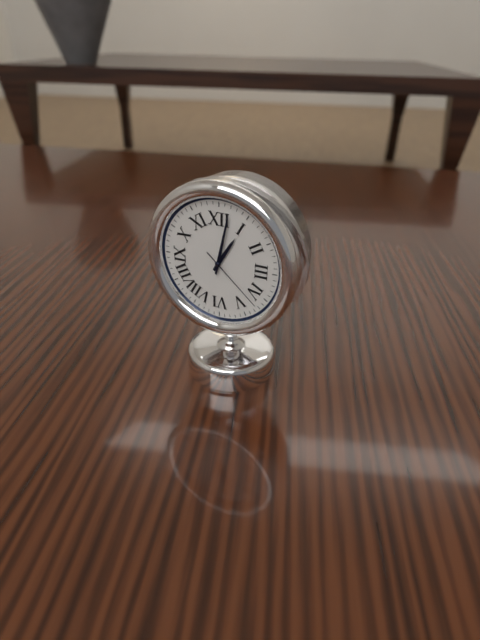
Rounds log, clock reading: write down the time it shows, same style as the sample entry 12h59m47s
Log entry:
1h02m22s
